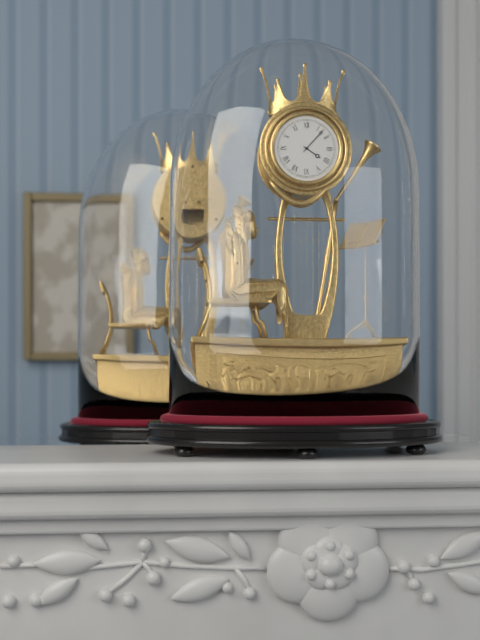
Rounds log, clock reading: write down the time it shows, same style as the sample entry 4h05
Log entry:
4h07
